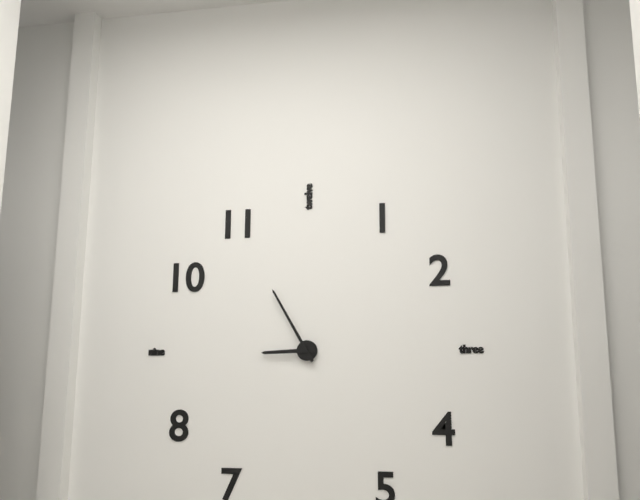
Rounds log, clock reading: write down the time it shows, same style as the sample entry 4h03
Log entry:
8h55
